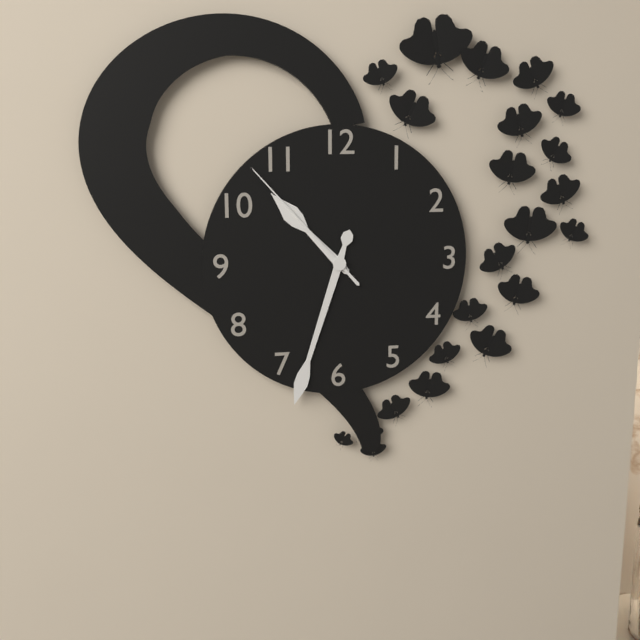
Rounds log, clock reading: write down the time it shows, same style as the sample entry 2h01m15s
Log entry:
10h33m53s
